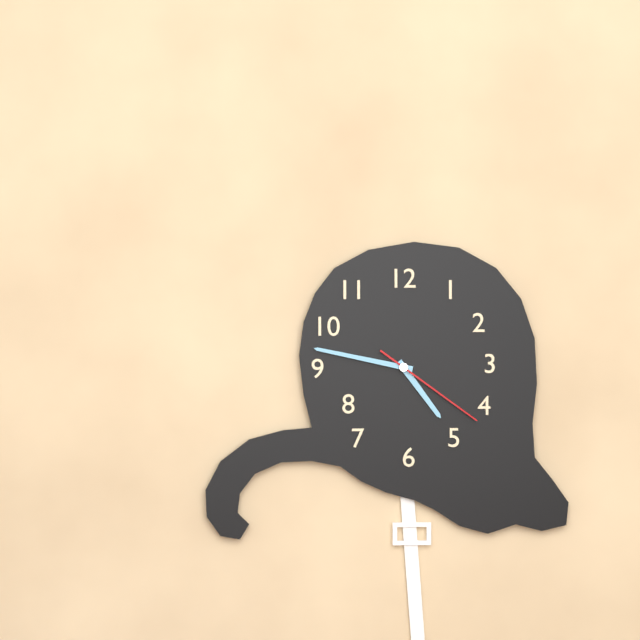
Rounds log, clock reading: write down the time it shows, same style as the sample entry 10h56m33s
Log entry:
4h47m21s
